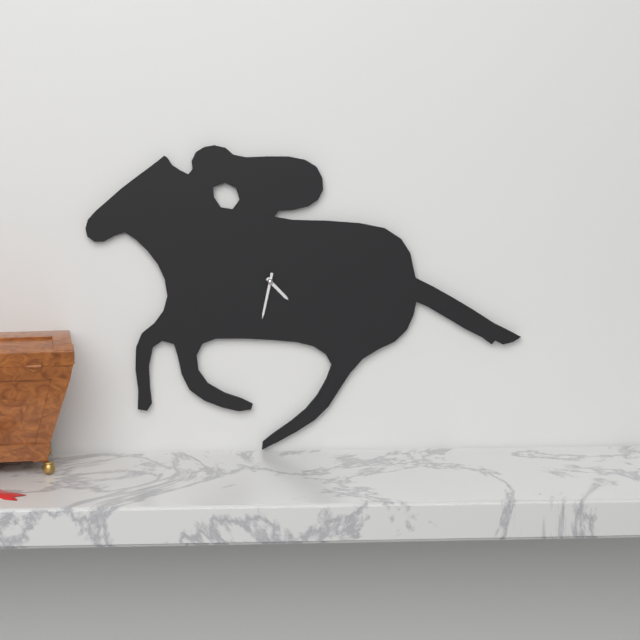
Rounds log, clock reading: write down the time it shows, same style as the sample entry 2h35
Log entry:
4h32
